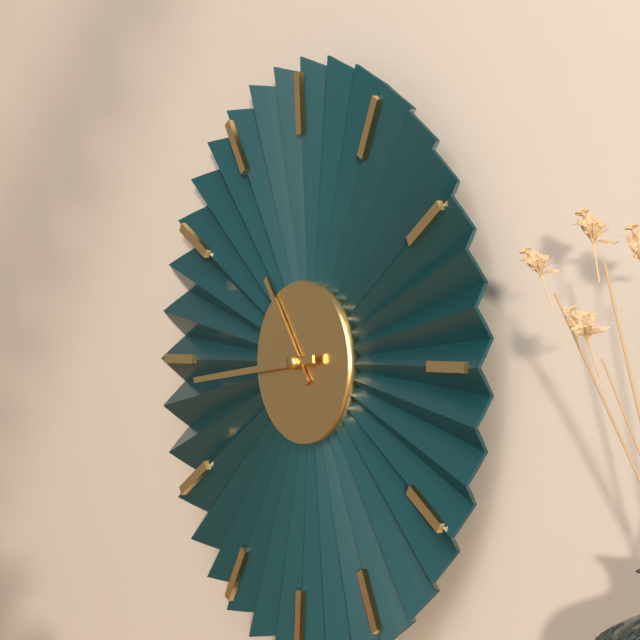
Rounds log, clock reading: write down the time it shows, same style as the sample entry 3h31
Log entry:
10h44
